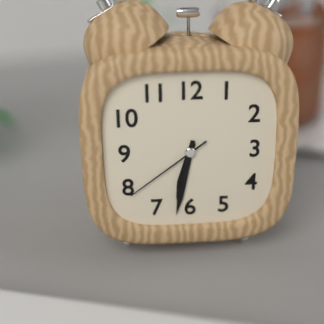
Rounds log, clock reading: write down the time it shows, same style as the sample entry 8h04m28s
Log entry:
6h32m39s
